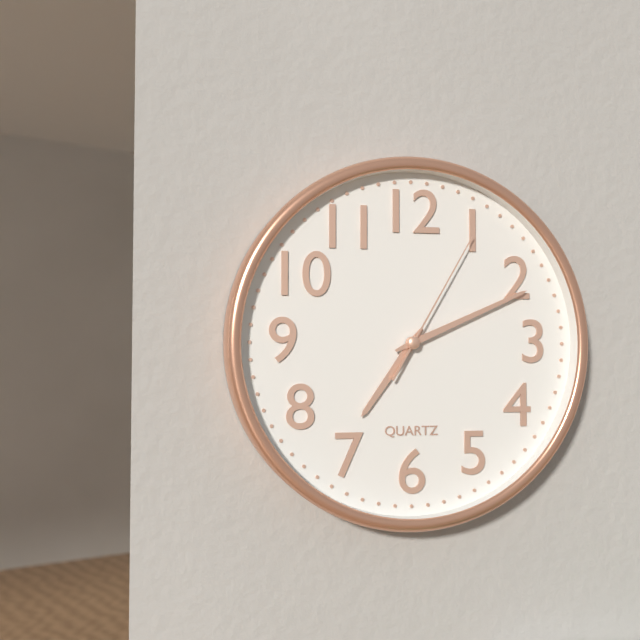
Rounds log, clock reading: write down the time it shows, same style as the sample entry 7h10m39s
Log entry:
7h11m05s
